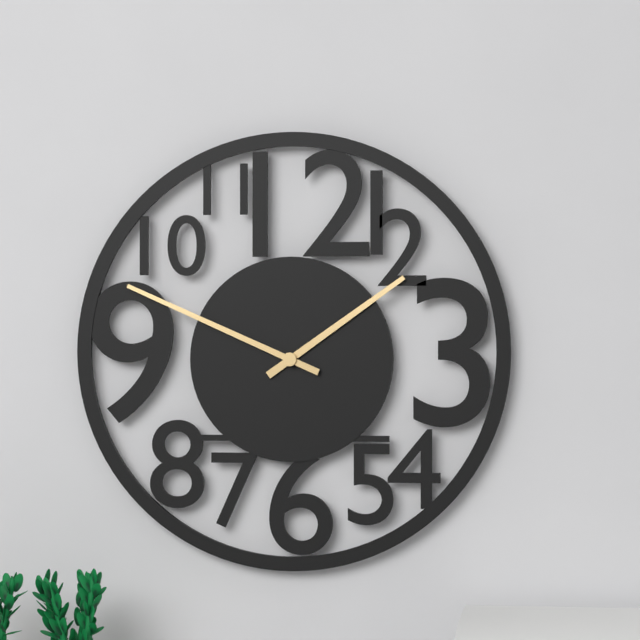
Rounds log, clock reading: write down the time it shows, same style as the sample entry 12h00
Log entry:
1h49
